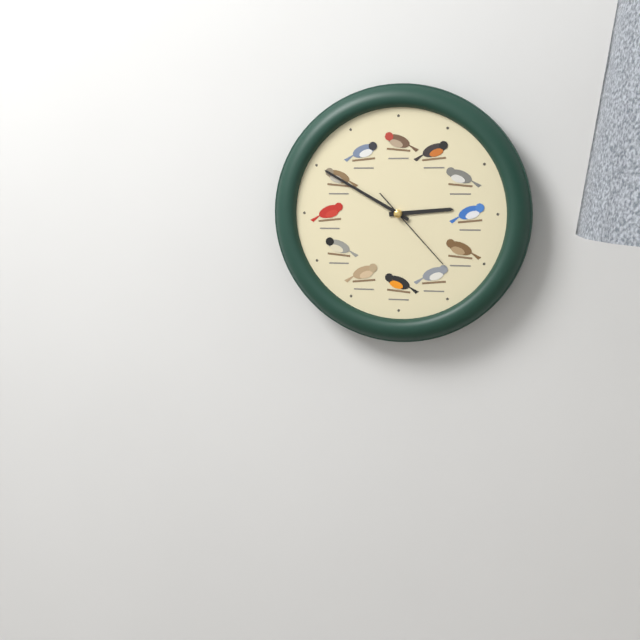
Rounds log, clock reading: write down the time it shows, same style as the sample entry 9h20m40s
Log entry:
2h50m23s
